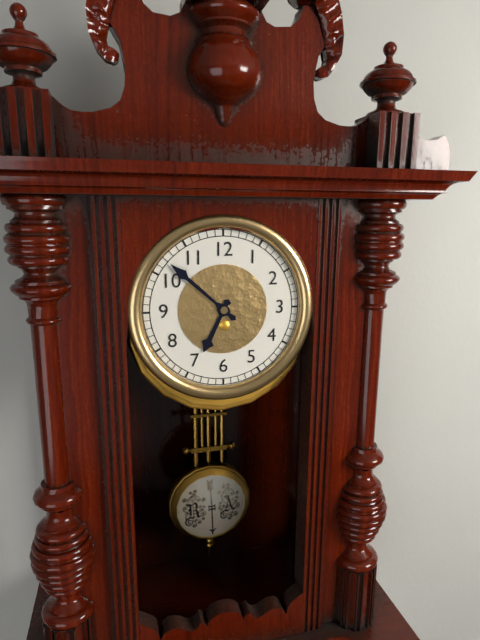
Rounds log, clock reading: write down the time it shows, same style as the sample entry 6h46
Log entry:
6h52
